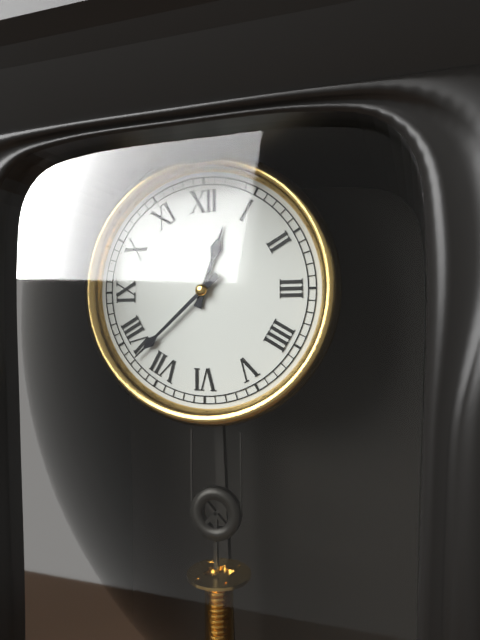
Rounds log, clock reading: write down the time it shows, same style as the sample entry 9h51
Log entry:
12h38
